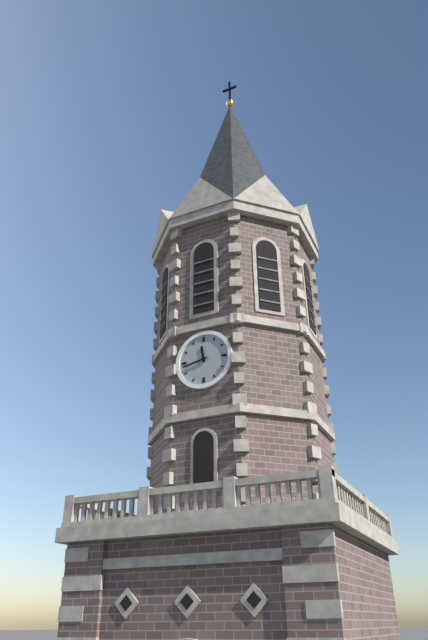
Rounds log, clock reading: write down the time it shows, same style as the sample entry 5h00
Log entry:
11h43
